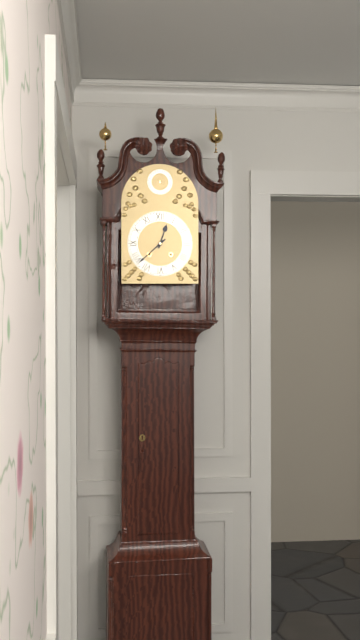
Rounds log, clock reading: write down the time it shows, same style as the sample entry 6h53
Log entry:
12h38
